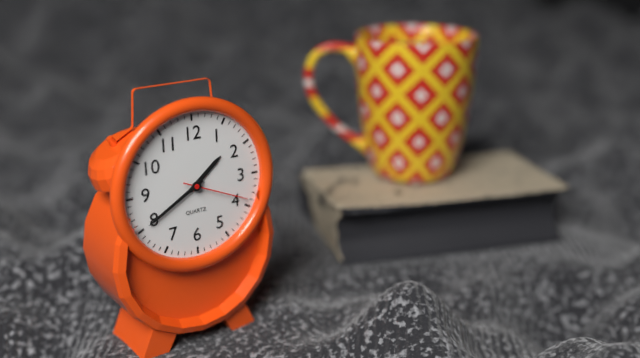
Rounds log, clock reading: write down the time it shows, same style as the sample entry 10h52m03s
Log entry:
1h40m19s
